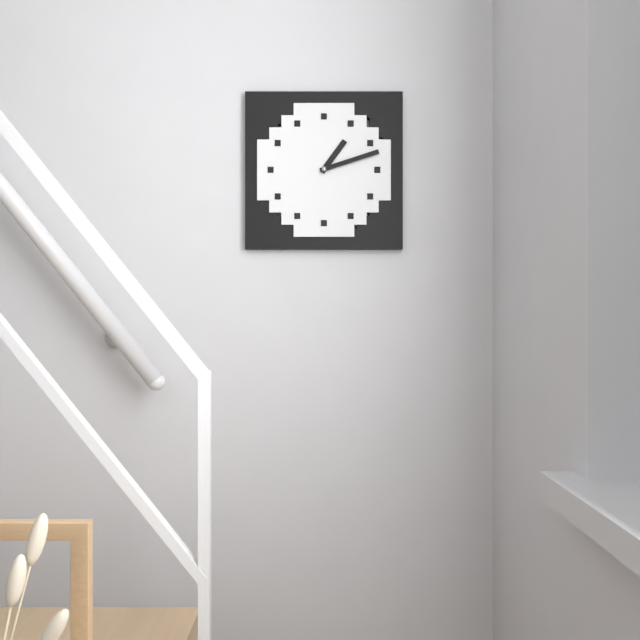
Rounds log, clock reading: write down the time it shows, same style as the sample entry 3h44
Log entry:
1h12
